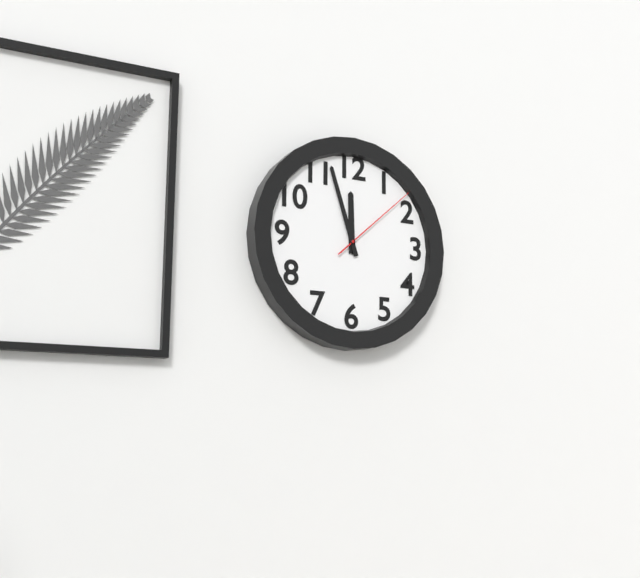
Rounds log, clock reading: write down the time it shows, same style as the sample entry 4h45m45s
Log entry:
11h57m08s
